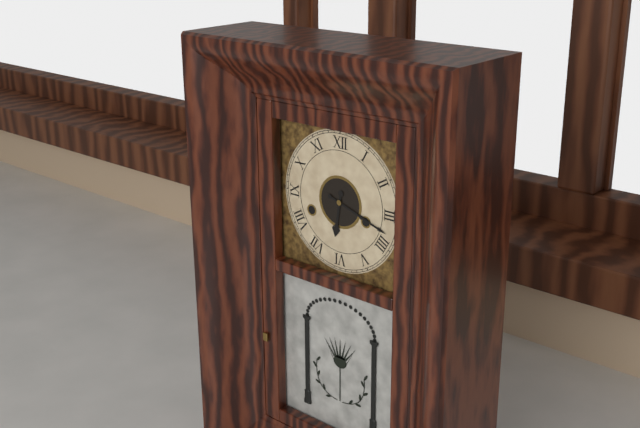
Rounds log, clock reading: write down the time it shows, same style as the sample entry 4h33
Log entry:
6h18
